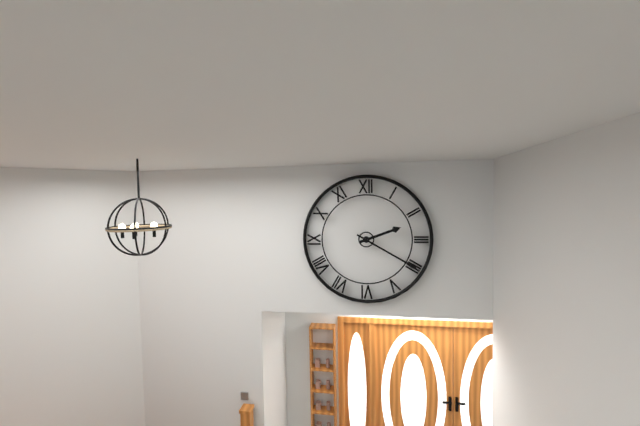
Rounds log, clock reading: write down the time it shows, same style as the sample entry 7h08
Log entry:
2h20
